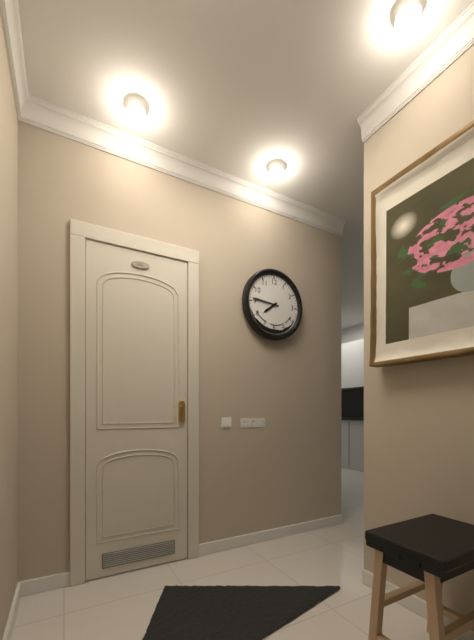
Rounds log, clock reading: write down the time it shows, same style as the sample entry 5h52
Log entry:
7h46
